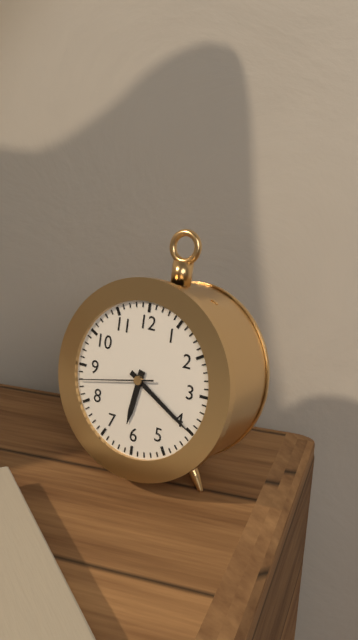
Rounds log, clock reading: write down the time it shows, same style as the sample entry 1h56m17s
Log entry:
6h20m43s
